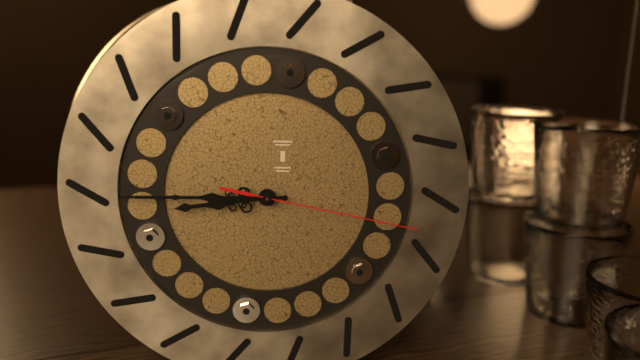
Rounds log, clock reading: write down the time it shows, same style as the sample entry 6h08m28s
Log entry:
8h45m17s
